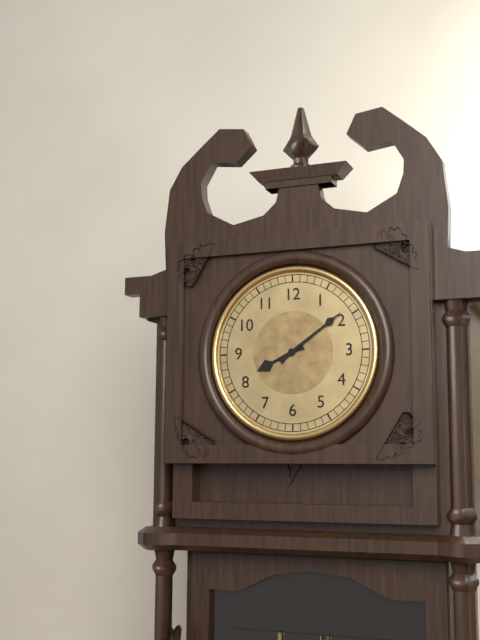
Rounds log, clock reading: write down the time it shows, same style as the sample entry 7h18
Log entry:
8h09
